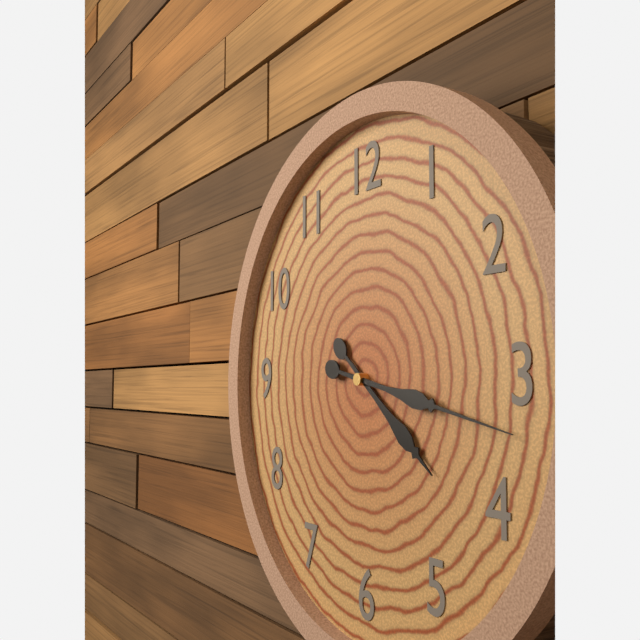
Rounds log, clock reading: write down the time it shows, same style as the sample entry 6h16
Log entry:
4h17
